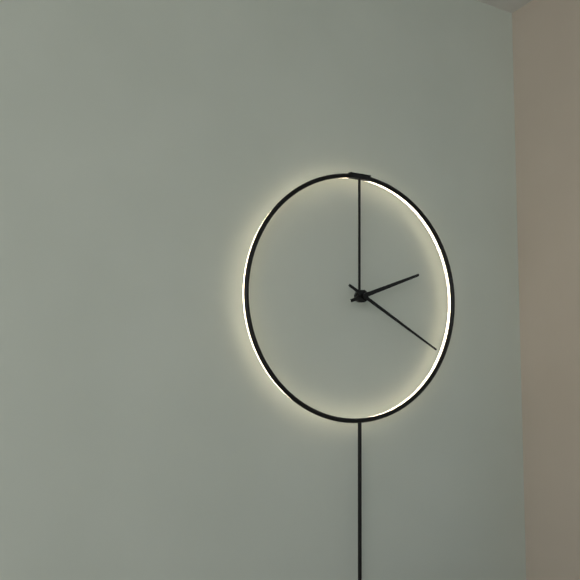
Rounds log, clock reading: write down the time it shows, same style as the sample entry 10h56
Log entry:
2h20
